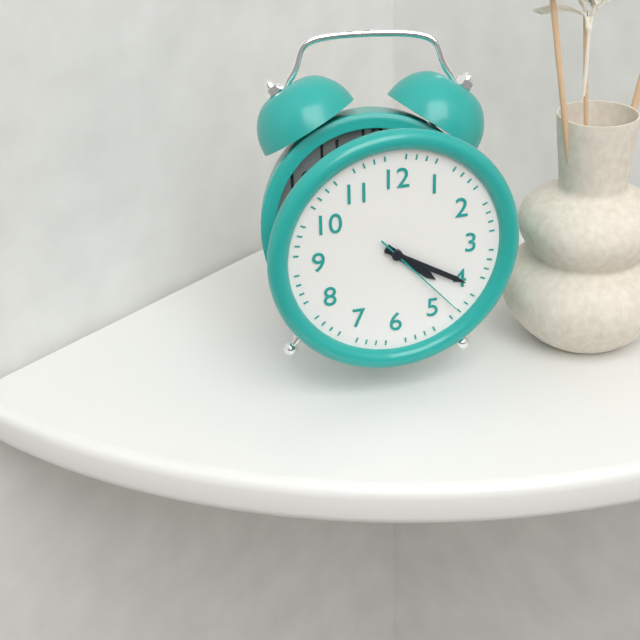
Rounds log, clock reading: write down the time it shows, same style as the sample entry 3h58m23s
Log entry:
4h20m23s
